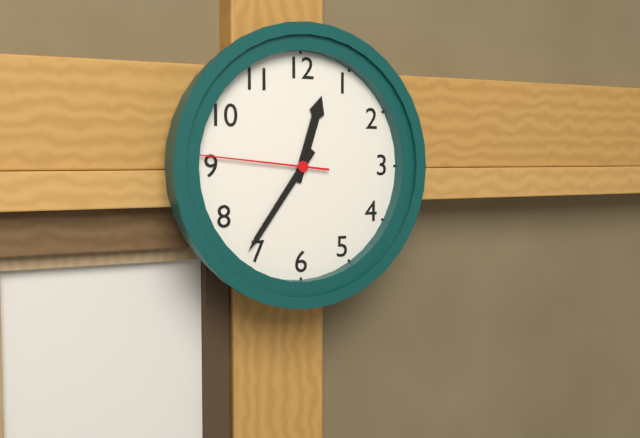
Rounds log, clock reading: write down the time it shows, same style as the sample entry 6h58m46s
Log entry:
12h36m46s
